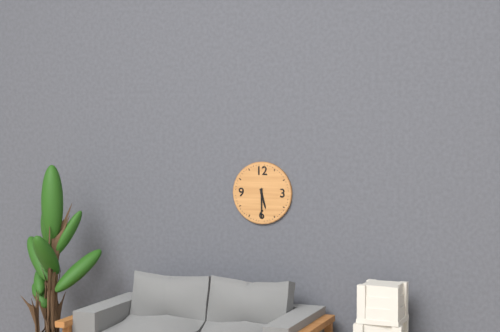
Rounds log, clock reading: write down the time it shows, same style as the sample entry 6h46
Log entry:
5h30
